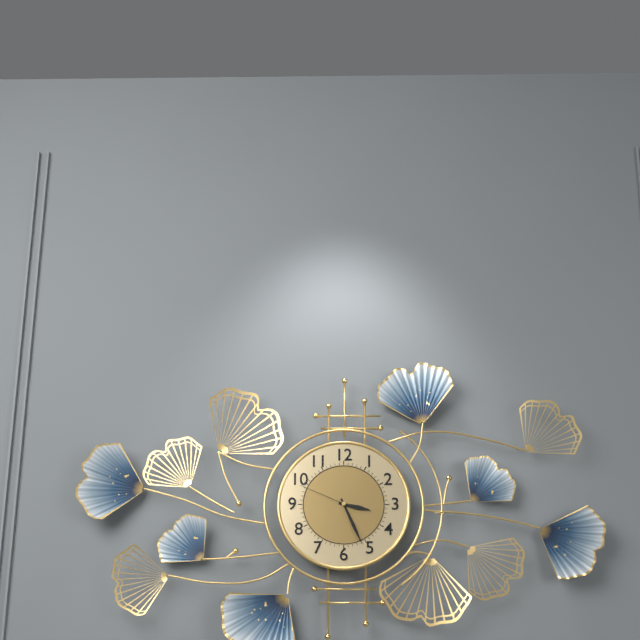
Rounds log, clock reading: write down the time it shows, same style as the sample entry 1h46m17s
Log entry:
3h26m49s
